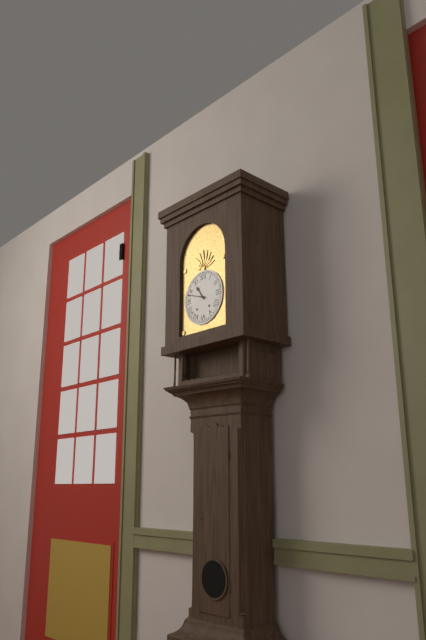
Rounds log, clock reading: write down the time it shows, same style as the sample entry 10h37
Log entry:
10h48
